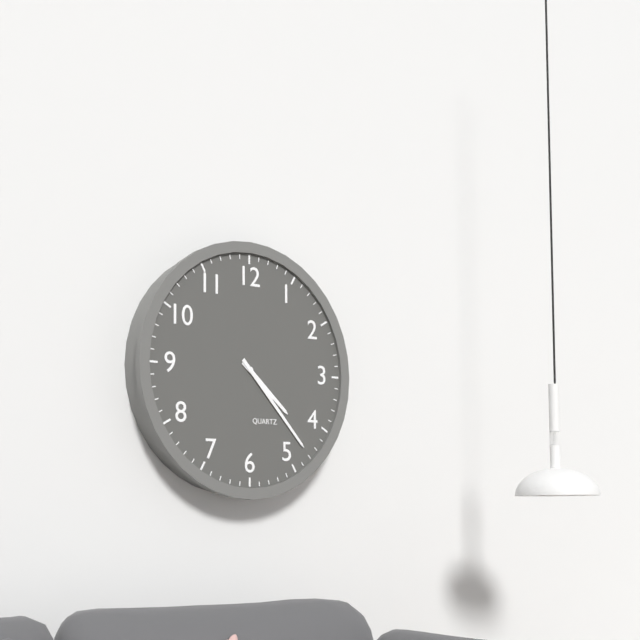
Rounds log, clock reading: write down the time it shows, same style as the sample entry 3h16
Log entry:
4h23
